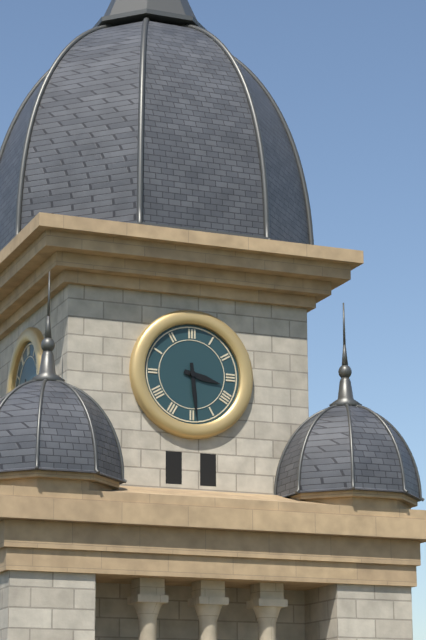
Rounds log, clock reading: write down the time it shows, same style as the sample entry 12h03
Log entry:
3h29
